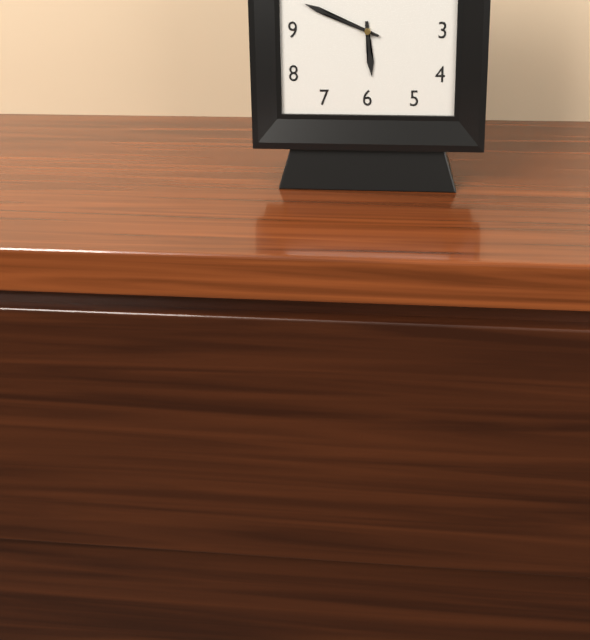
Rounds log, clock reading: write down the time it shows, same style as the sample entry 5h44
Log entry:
5h49
